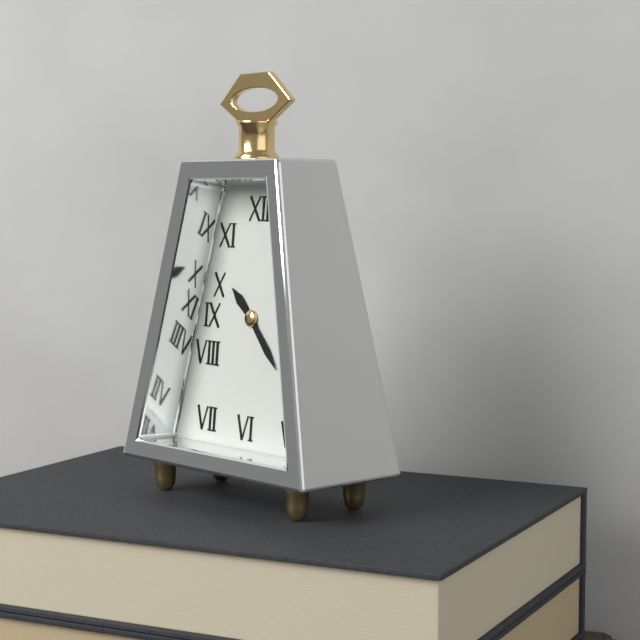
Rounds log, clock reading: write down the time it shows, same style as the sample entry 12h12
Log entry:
10h23
